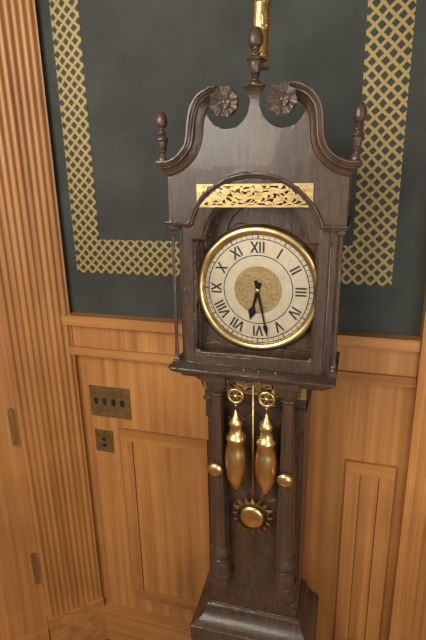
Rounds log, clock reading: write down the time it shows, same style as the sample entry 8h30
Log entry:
6h28
